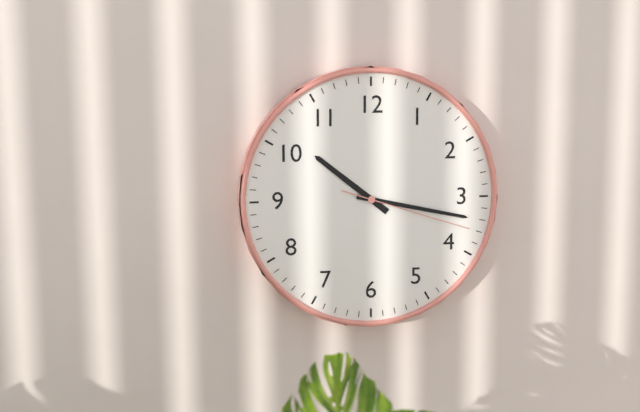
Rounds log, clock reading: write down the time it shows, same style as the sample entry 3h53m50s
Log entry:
10h17m18s
